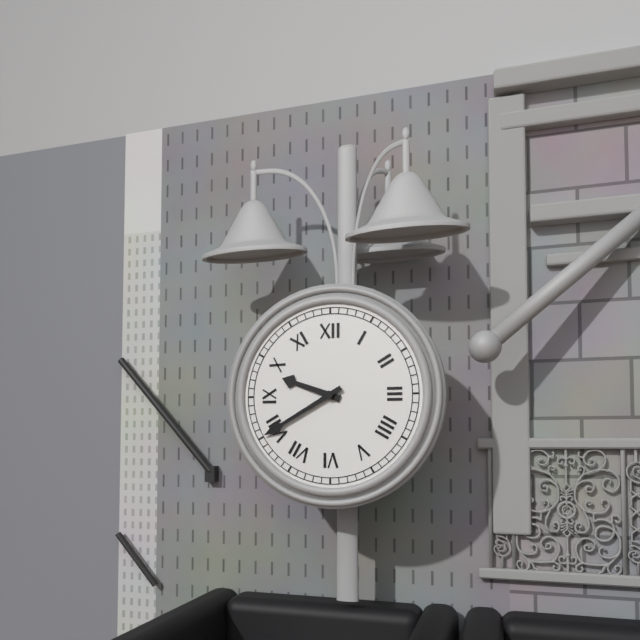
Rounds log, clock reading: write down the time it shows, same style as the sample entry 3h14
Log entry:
9h40
